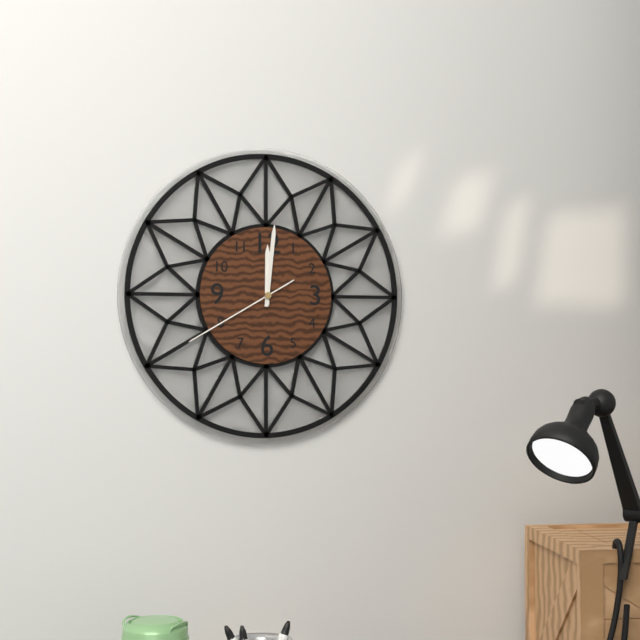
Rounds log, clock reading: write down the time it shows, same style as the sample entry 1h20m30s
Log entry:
12h01m40s
